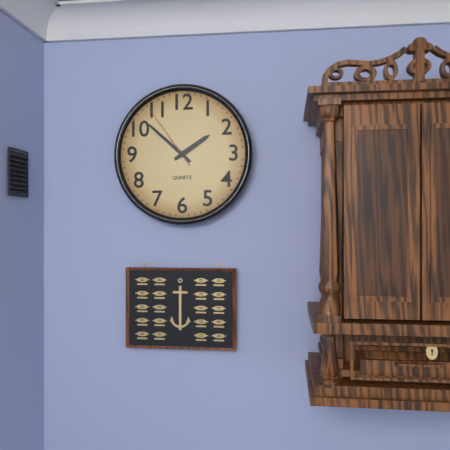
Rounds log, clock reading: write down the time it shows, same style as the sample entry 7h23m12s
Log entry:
1h52m54s
